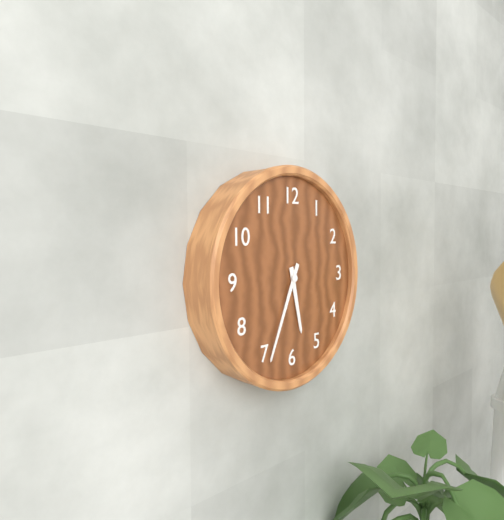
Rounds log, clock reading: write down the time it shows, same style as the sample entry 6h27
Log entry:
5h34
